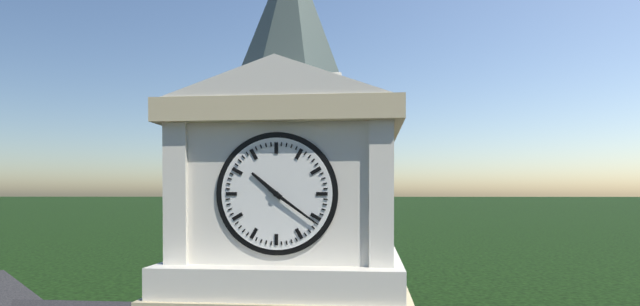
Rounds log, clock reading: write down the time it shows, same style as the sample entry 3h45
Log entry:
10h21
